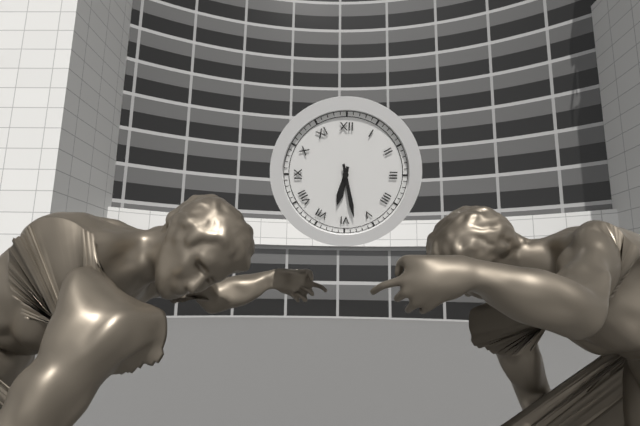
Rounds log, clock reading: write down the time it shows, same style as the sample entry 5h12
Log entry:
6h28
